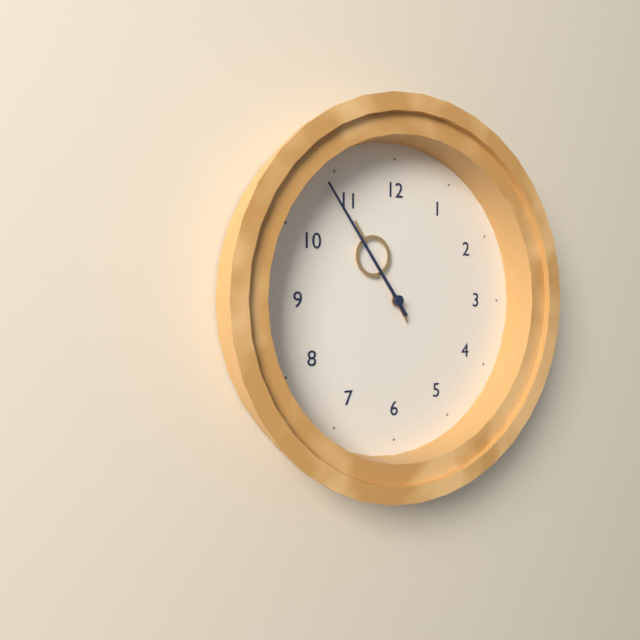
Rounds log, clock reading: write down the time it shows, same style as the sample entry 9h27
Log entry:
10h54
